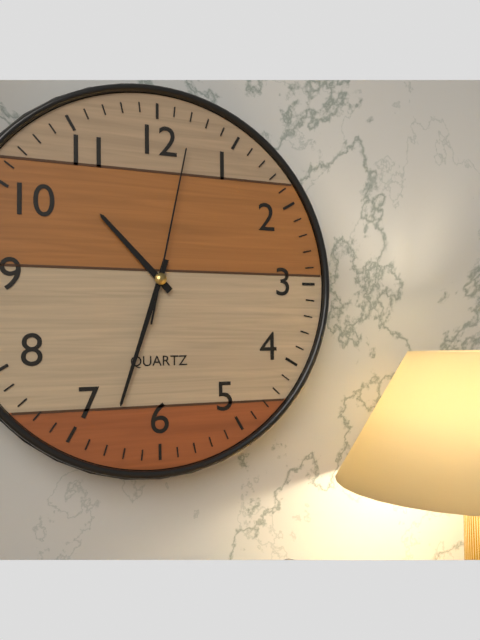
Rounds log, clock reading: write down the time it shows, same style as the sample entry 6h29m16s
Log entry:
10h33m02s
